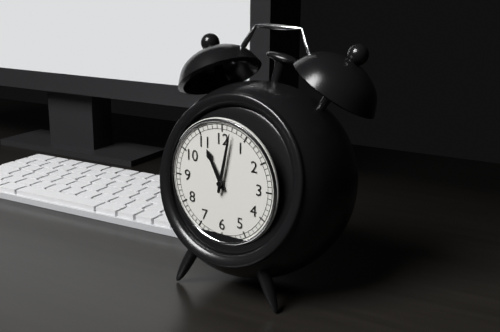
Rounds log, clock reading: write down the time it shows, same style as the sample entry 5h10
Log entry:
11h02
